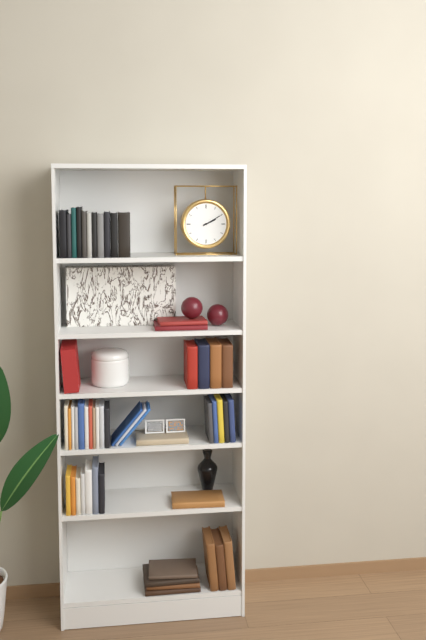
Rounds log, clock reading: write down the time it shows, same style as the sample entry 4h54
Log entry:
2h10
